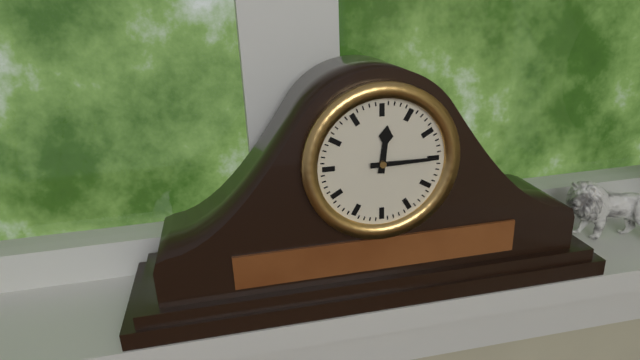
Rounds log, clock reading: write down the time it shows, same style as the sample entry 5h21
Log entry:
12h15
